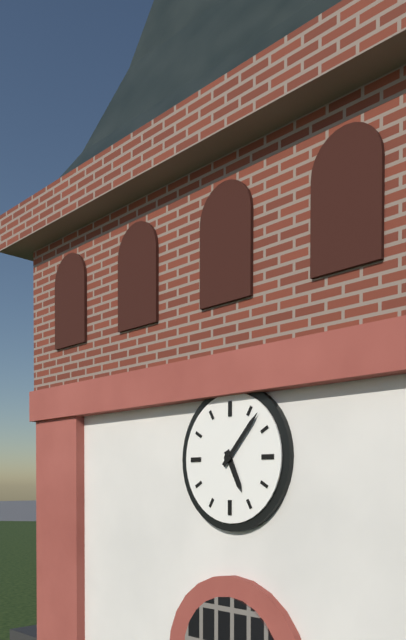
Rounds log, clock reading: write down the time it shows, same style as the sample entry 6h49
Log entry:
5h07
